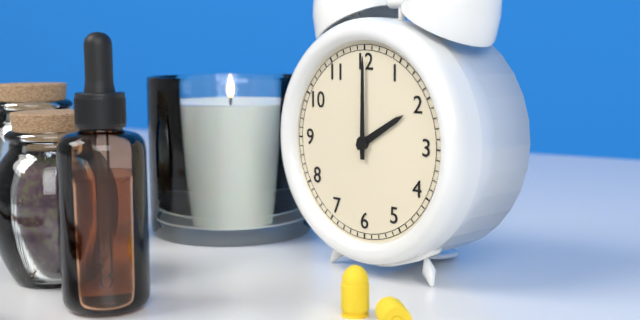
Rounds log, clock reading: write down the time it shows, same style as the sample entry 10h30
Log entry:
2h00
